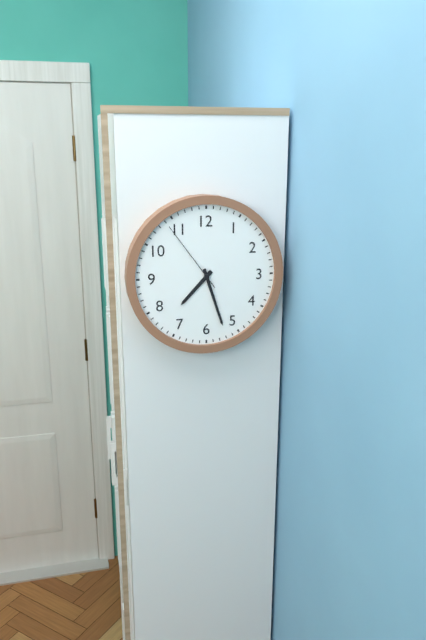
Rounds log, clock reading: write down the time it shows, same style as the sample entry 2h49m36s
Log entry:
7h27m54s
